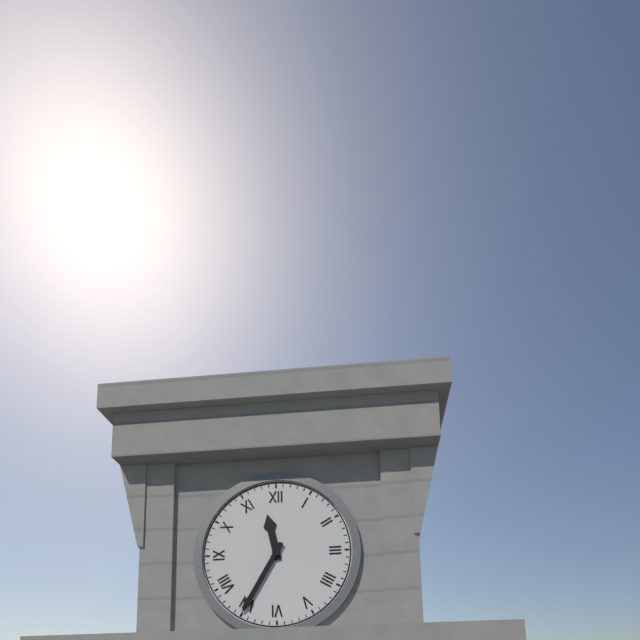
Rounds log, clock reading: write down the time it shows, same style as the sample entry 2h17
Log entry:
11h35
